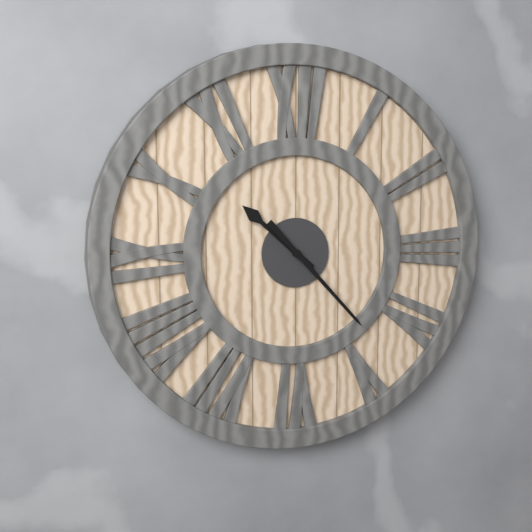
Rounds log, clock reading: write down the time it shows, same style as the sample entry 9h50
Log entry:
10h23
